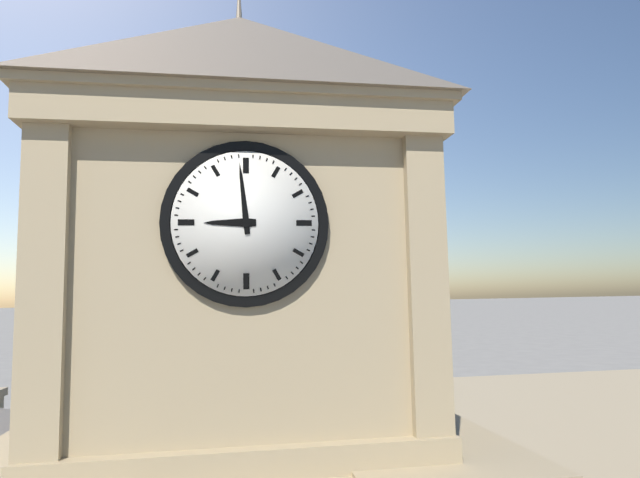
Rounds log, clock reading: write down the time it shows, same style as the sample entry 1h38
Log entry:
8h59
